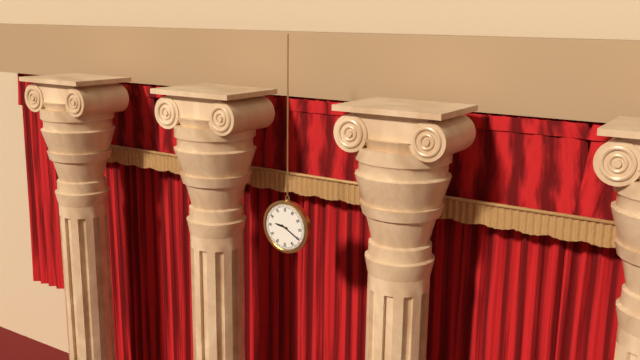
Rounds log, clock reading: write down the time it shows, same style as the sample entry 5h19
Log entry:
9h20
